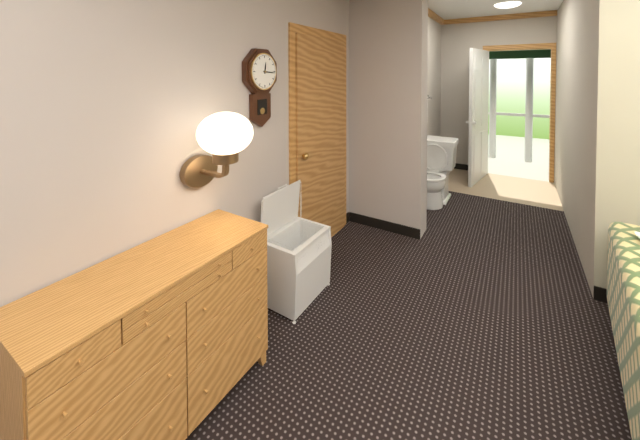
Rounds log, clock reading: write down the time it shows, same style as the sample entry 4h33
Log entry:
12h16
